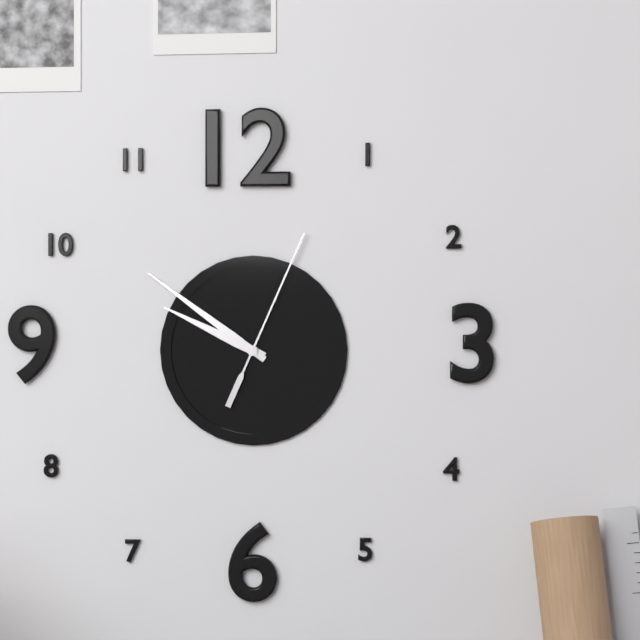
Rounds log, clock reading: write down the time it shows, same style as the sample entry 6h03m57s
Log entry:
9h51m04s
